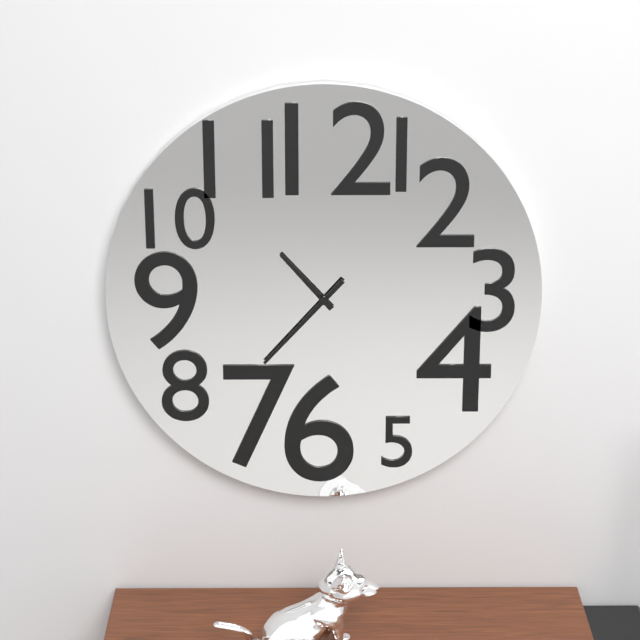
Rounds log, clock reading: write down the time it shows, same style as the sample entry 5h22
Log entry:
10h37
